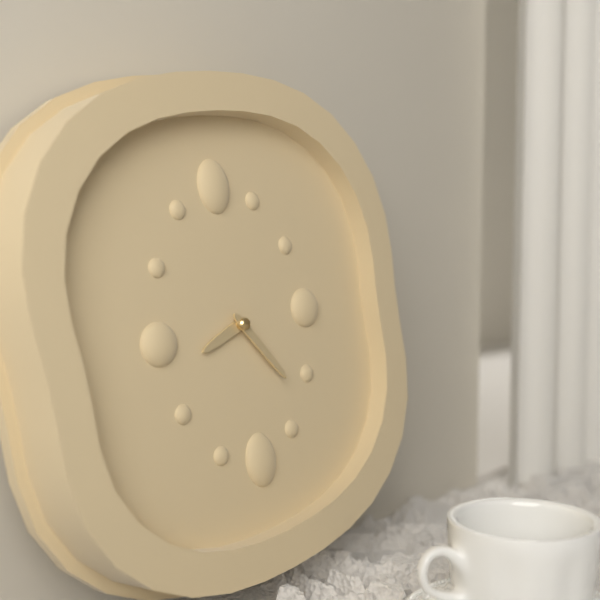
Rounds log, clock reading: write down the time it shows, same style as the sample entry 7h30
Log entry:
8h24
